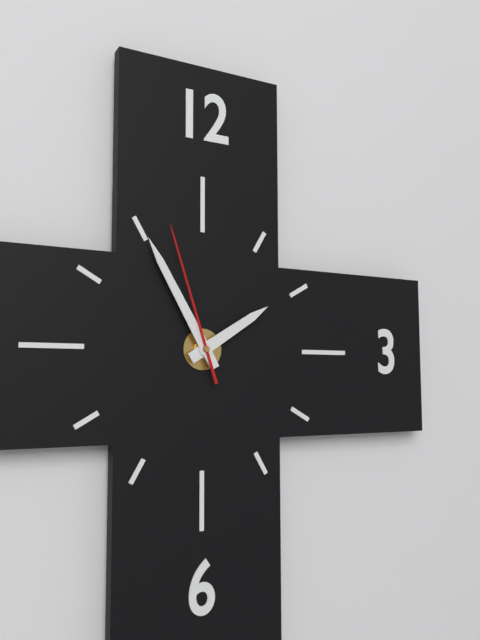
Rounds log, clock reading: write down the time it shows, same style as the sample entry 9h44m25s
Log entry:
1h55m57s
